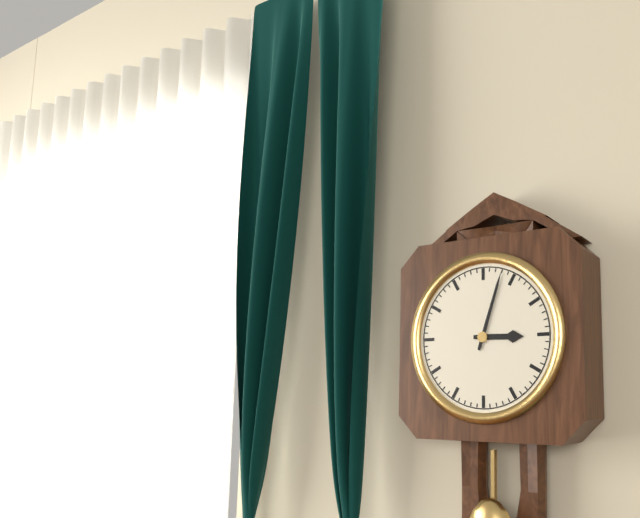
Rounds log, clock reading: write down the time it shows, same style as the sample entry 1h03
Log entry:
3h03
